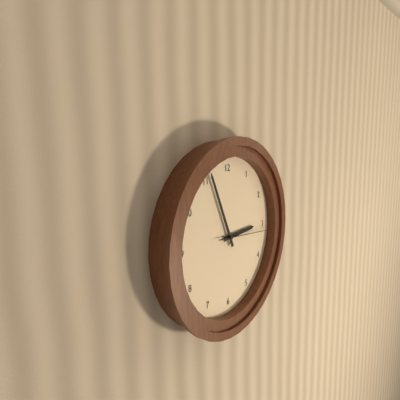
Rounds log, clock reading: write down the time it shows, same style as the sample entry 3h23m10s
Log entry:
2h56m16s
